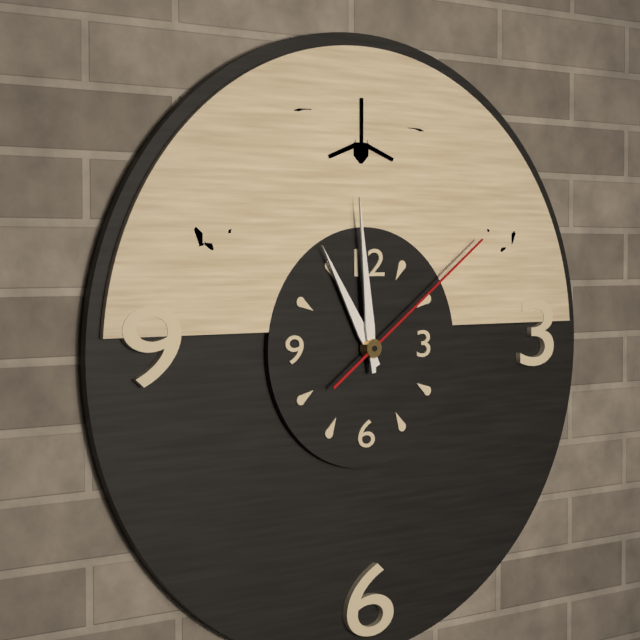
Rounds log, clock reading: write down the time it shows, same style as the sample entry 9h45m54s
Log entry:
10h59m09s
